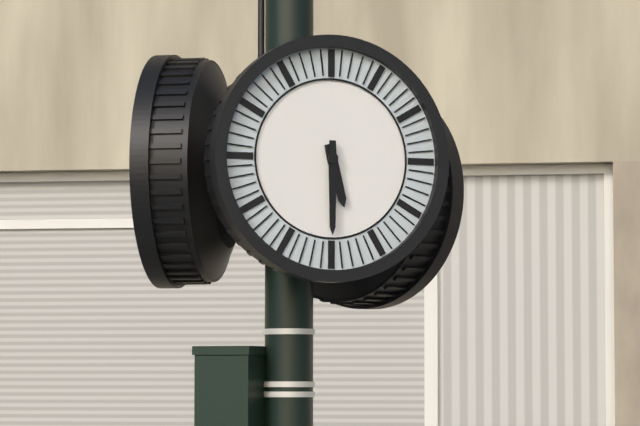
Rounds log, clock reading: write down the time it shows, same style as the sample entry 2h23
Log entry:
5h30
